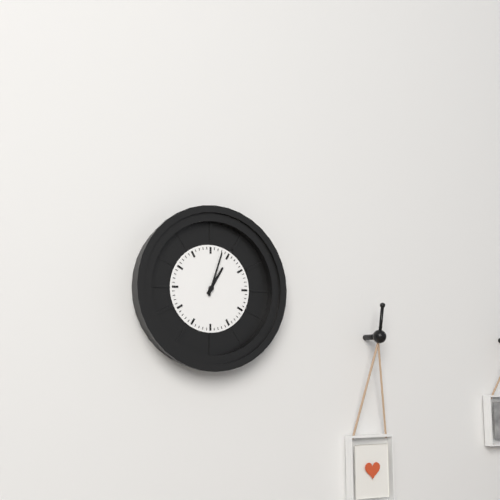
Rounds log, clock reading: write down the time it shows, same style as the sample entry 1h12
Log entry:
1h03
